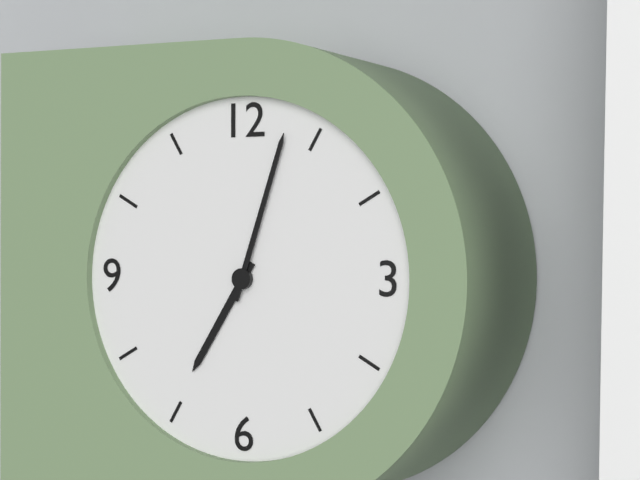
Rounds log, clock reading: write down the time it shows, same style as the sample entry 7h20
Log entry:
7h03
